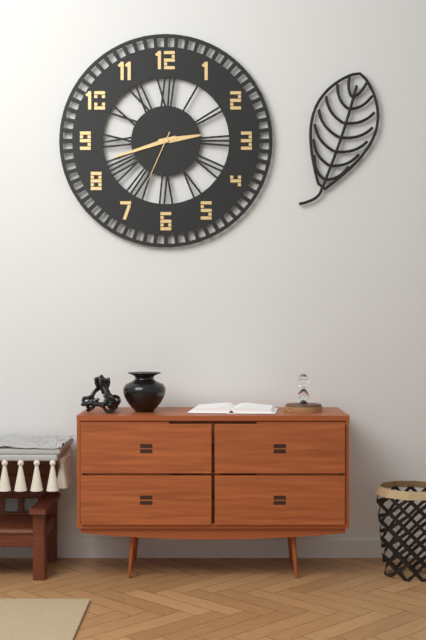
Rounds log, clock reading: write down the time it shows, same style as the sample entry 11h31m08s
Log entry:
2h42m34s
